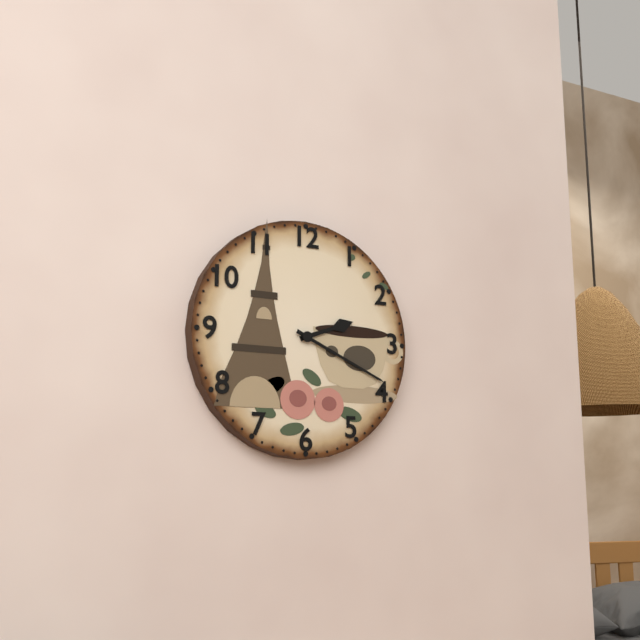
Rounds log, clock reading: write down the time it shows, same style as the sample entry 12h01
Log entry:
2h19
